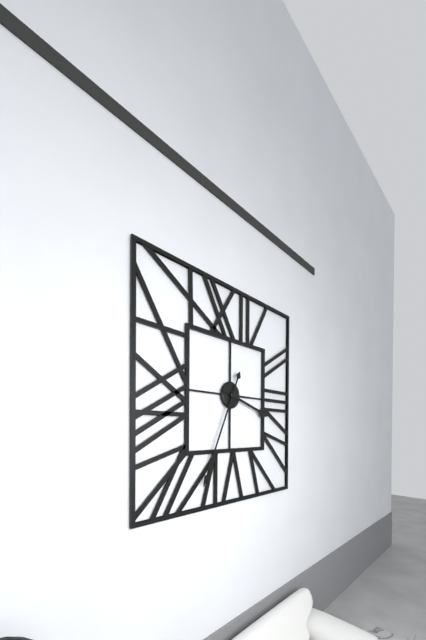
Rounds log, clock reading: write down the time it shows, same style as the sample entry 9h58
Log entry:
3h34
